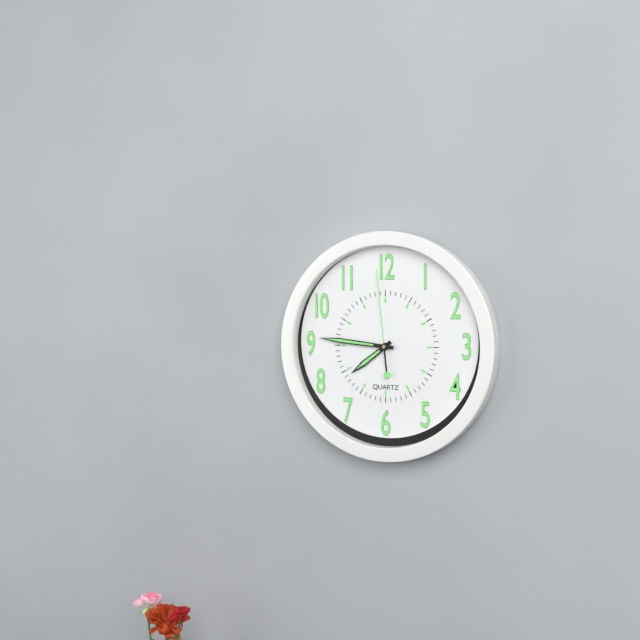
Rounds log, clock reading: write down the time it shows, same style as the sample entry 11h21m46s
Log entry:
7h46m59s
